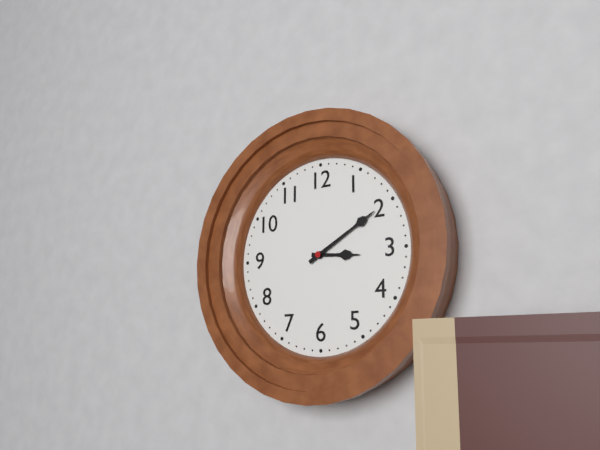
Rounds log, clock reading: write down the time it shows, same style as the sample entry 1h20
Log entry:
3h10
